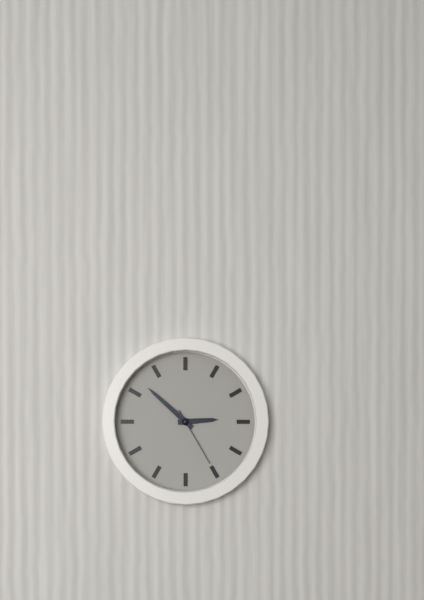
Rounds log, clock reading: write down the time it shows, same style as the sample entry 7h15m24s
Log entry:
2h52m25s
